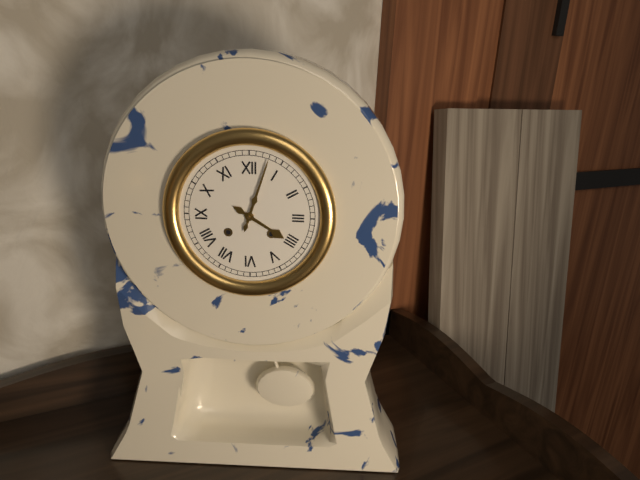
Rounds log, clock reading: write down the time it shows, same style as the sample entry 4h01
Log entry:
4h03
